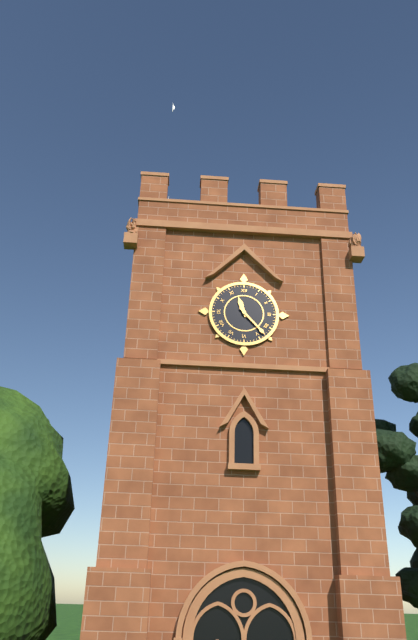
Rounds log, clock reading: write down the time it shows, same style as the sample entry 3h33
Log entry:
11h23
